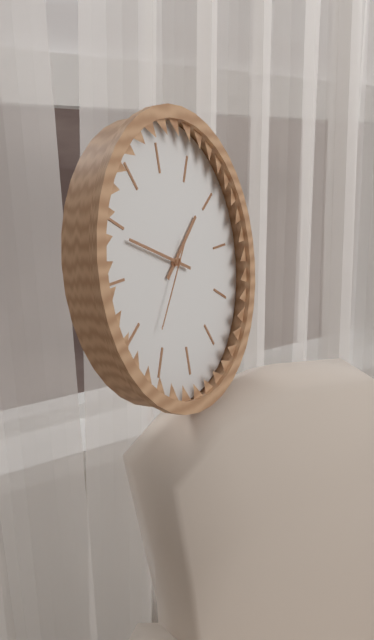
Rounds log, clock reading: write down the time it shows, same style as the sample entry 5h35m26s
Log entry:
1h49m37s
